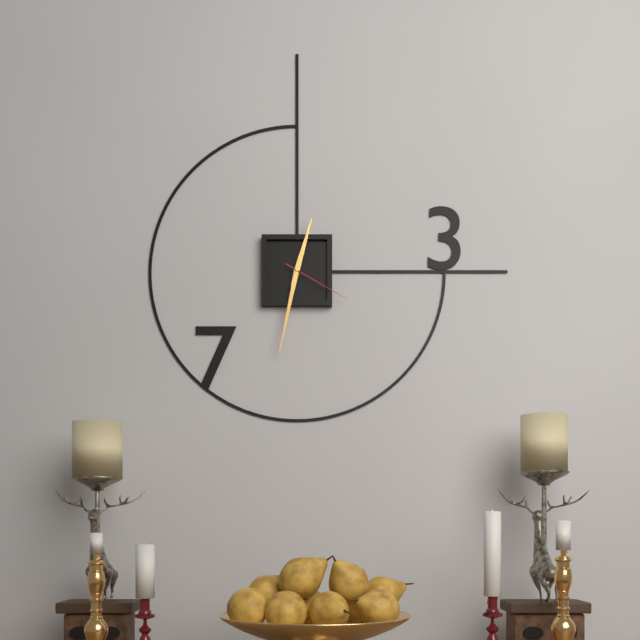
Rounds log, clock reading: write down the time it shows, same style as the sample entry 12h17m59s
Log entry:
12h32m20s
